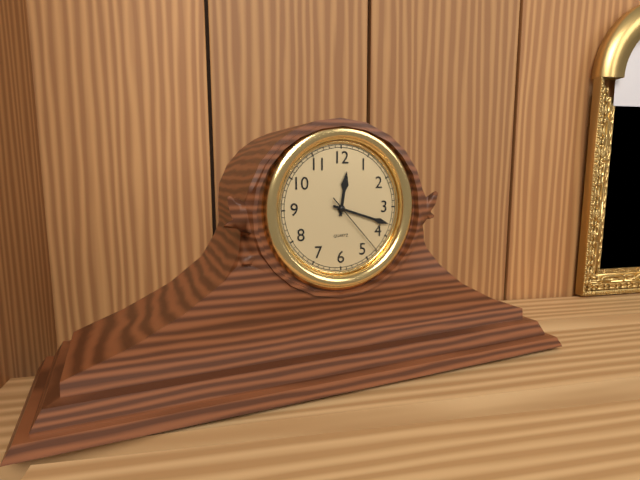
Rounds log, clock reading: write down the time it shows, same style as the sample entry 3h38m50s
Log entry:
12h18m23s
